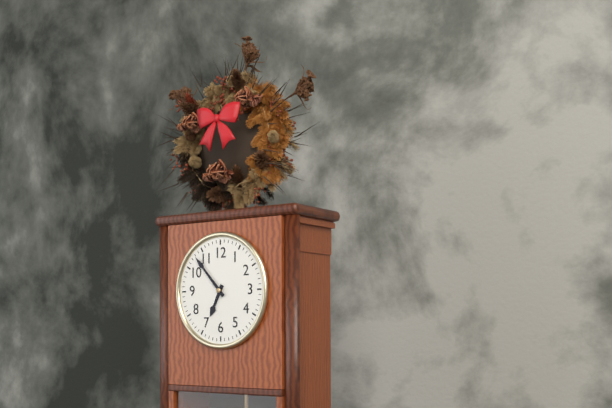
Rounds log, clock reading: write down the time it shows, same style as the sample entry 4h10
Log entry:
6h53
